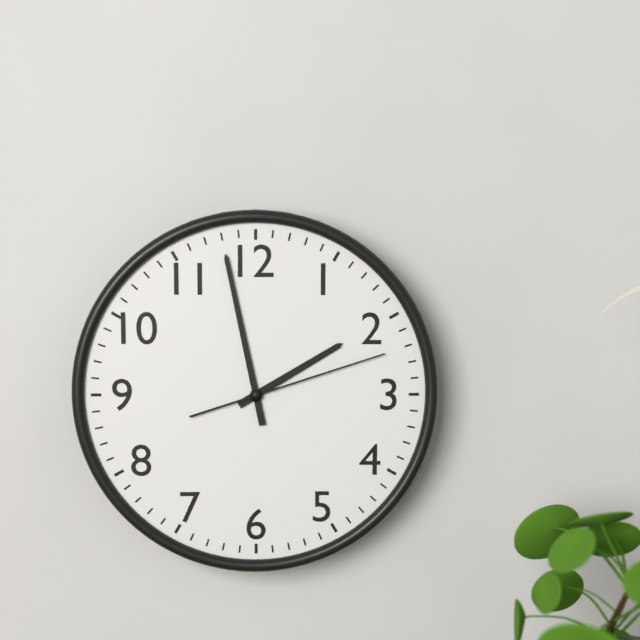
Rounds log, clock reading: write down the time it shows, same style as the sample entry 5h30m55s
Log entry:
1h58m12s
